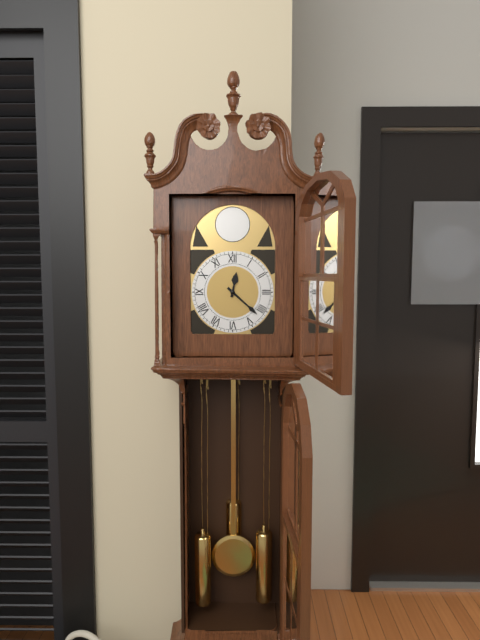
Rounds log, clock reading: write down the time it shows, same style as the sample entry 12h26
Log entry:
12h22
